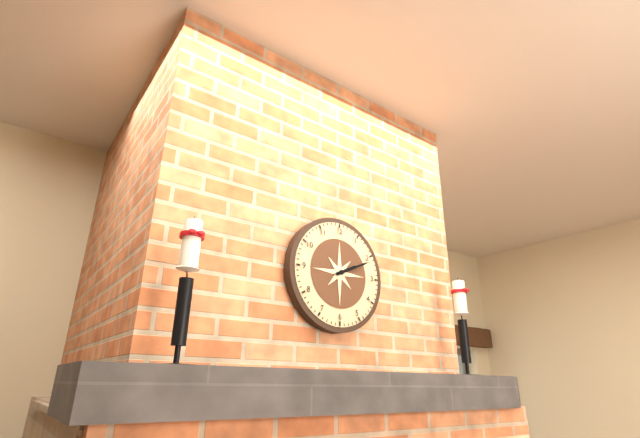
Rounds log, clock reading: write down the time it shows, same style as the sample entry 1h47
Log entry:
2h11
